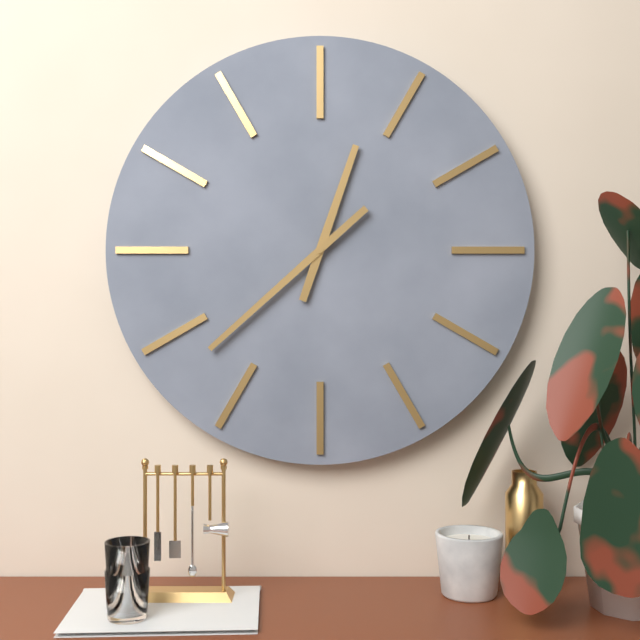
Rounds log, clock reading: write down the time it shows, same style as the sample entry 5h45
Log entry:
12h38
